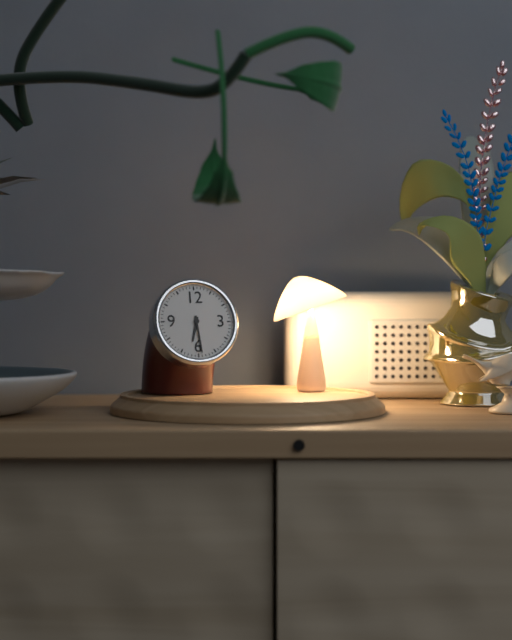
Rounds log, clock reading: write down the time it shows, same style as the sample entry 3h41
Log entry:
6h29
